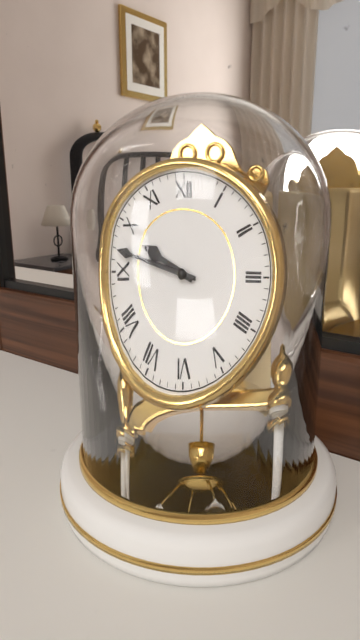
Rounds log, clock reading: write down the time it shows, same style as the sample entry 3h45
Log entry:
9h47
